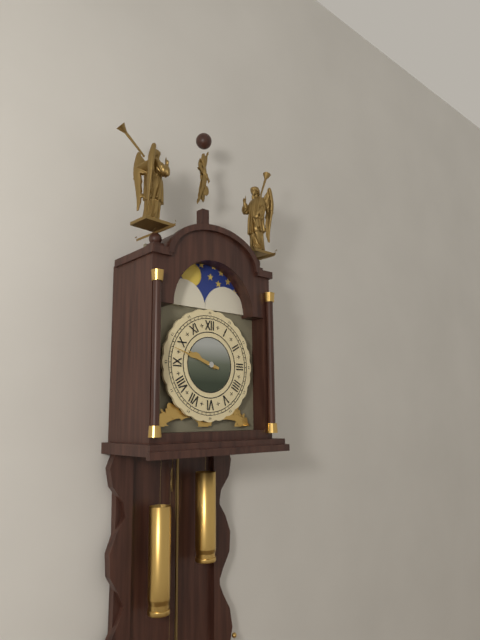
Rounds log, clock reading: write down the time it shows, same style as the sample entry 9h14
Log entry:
9h48
